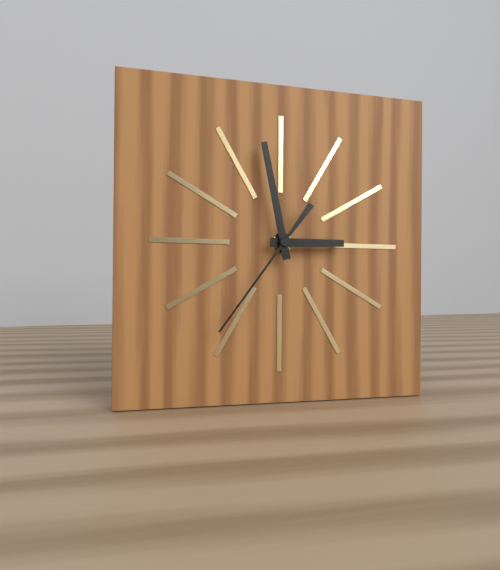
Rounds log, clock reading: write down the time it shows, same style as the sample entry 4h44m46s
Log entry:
2h58m36s
